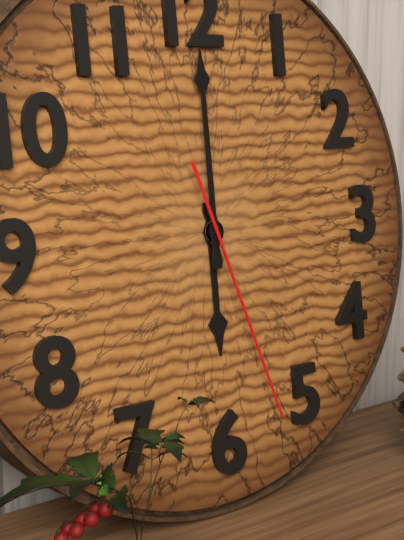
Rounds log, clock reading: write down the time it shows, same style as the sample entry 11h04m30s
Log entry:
6h00m27s
